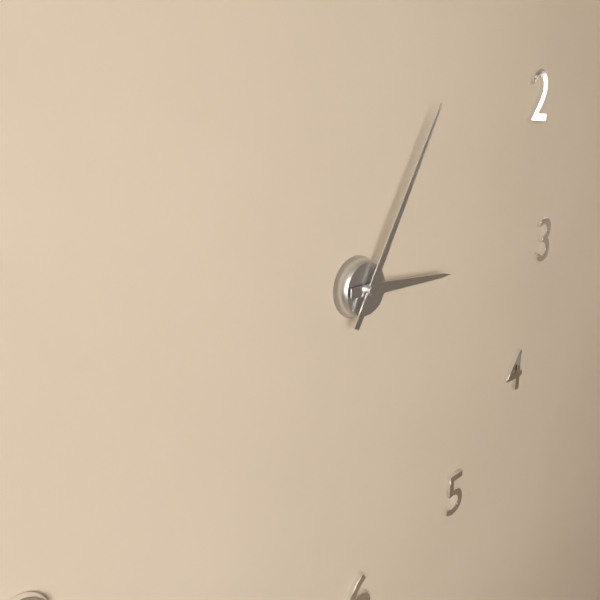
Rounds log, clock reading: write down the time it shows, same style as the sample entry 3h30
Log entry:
3h05
